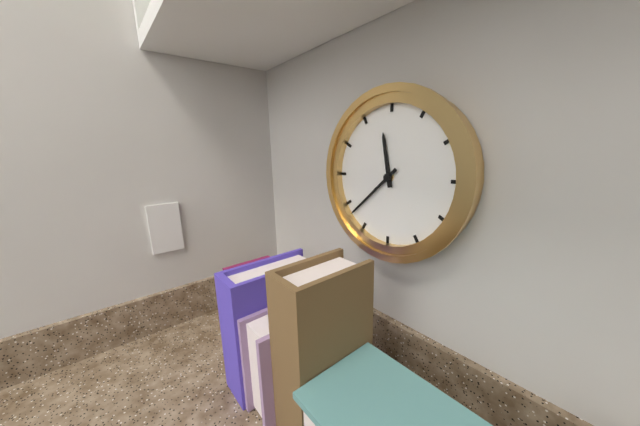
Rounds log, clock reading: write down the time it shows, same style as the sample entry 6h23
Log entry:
11h38
